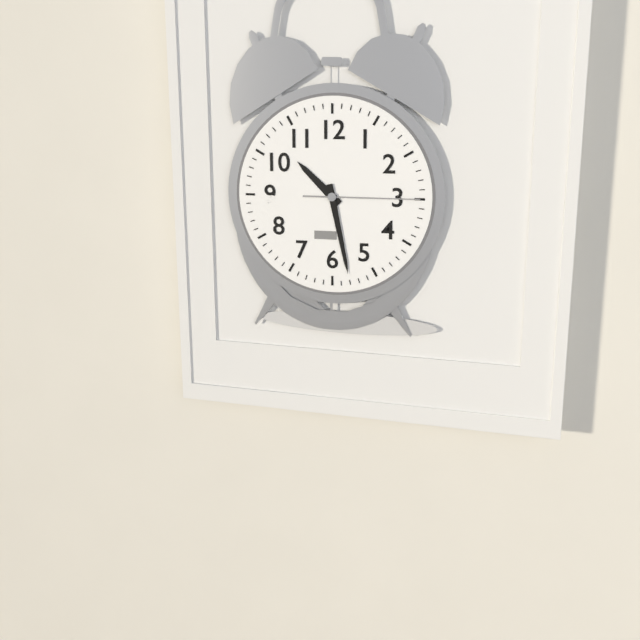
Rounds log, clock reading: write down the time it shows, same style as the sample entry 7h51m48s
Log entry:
10h28m15s
